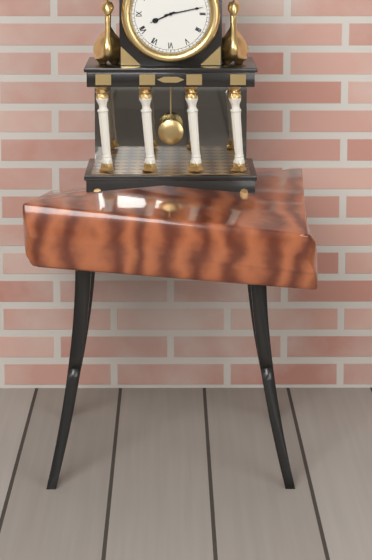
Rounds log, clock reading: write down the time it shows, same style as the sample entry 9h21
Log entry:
8h13
